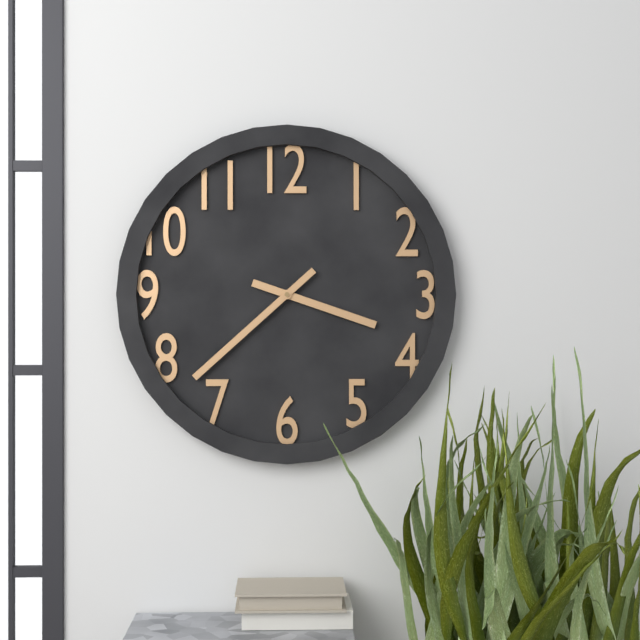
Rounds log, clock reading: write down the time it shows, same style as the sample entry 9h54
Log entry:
3h38
